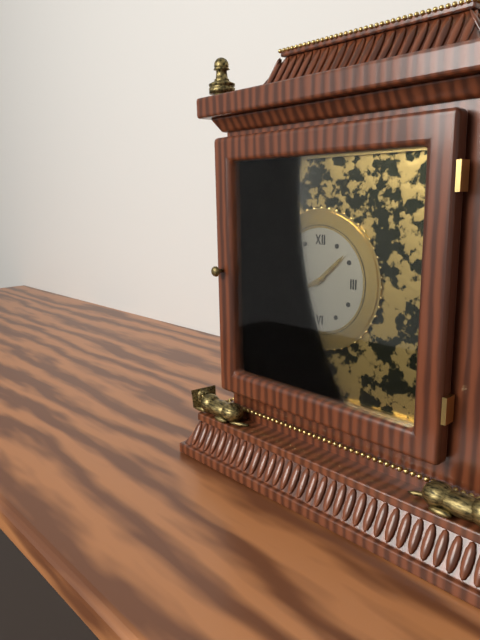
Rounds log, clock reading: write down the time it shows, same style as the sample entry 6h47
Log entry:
8h08
